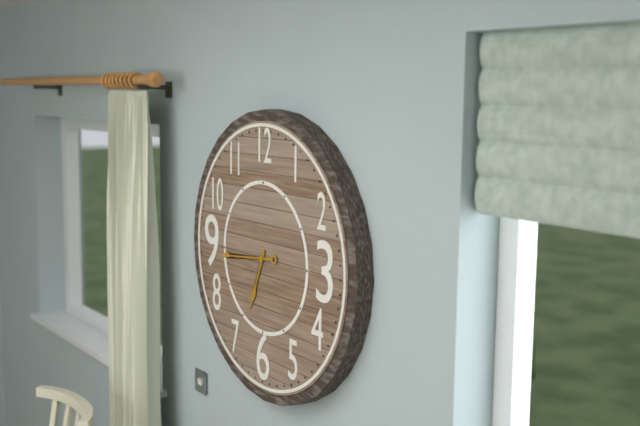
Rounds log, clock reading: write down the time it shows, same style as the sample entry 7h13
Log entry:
6h44
